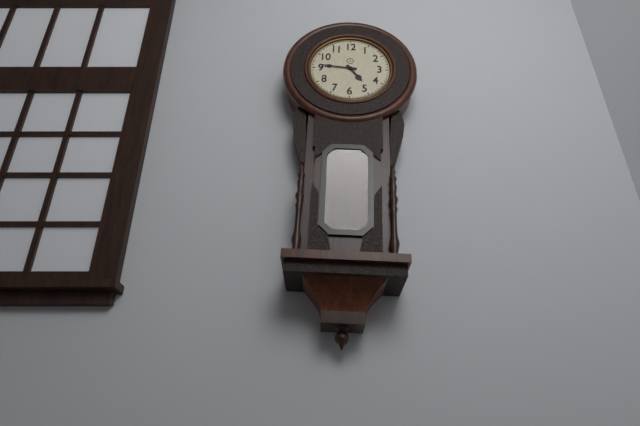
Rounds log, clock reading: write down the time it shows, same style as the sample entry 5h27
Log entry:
4h46
